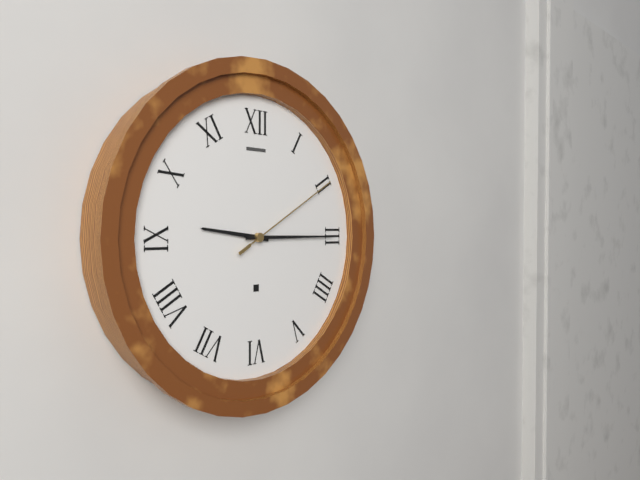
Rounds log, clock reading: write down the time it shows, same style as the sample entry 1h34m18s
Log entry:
9h15m10s
